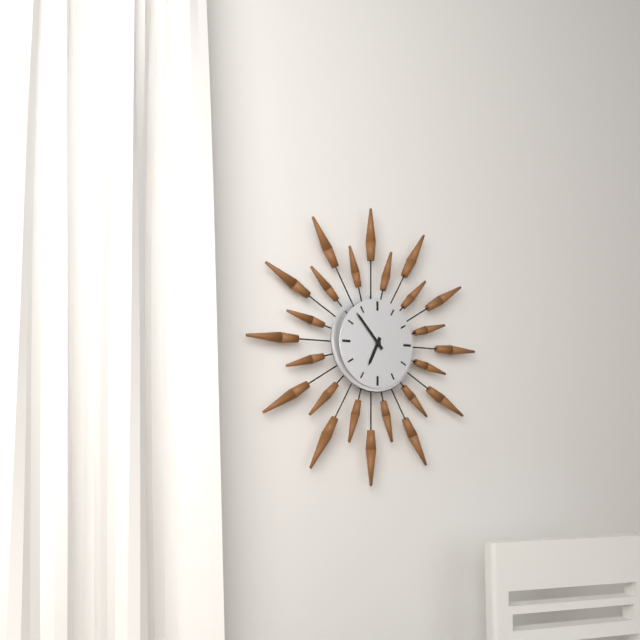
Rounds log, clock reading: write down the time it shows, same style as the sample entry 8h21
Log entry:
6h53
